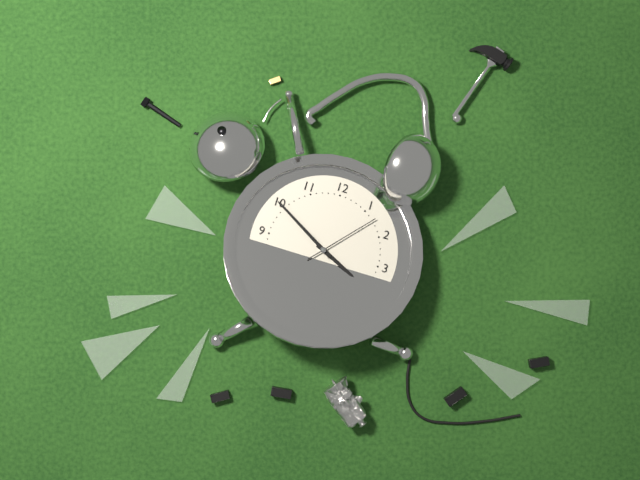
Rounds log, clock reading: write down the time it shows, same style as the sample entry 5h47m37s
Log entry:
3h50m07s
